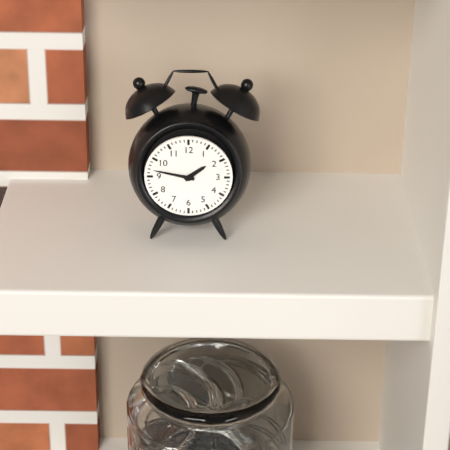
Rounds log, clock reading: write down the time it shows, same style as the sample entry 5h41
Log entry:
1h47
